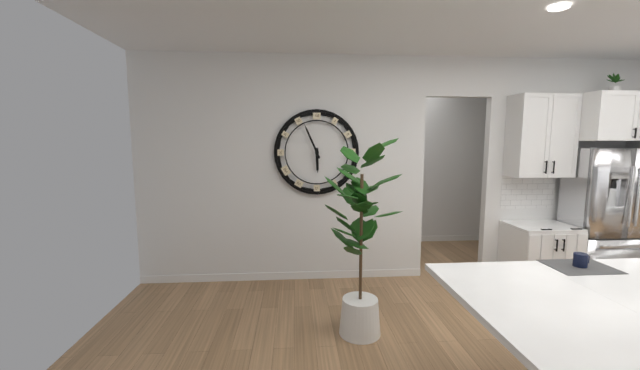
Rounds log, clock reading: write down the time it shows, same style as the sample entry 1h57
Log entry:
5h56
